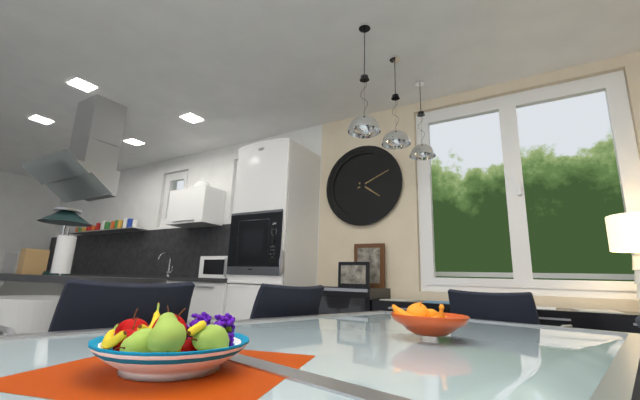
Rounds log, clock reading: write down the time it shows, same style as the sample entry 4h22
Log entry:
4h11
